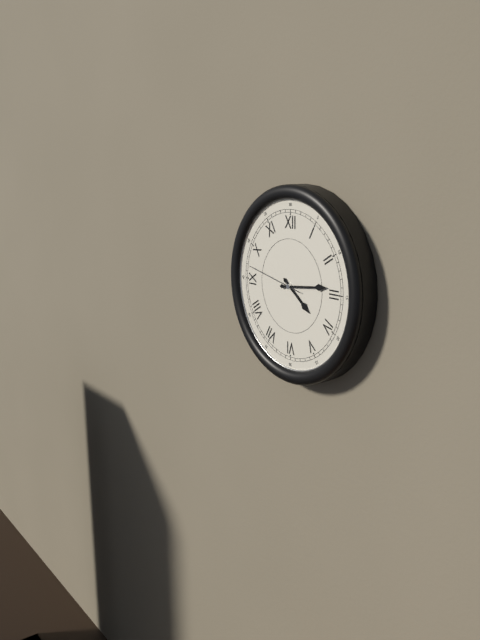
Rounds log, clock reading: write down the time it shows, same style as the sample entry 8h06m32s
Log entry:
4h14m47s
